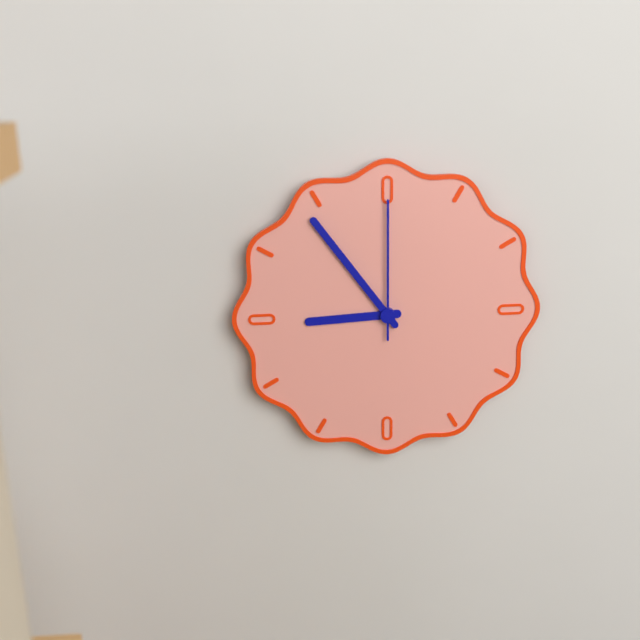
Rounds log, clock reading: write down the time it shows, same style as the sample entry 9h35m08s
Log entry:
8h54m00s
